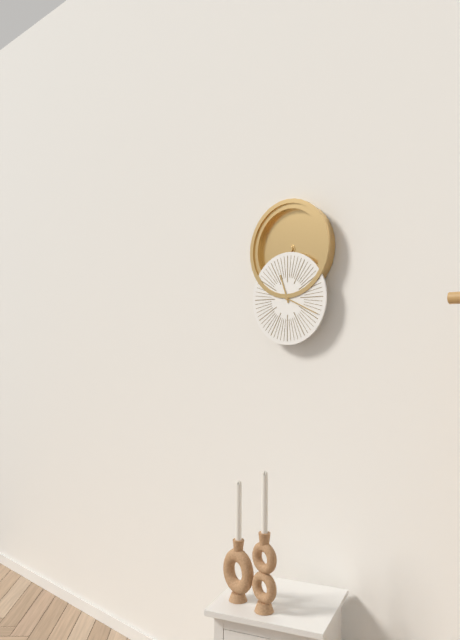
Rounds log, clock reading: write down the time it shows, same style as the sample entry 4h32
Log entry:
11h19
